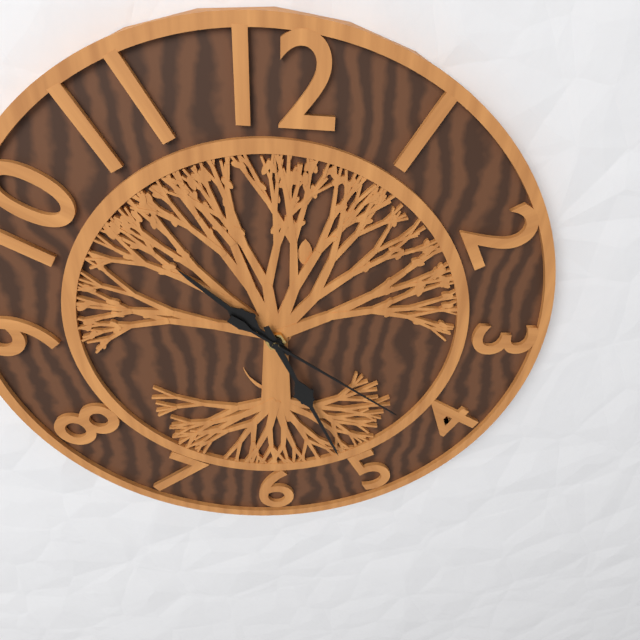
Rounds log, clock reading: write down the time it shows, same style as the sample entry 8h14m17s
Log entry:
10h26m21s
